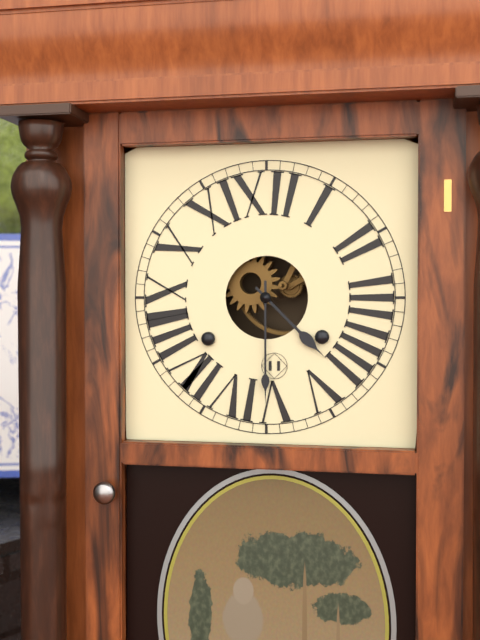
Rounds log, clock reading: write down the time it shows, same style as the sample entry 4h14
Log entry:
4h30
